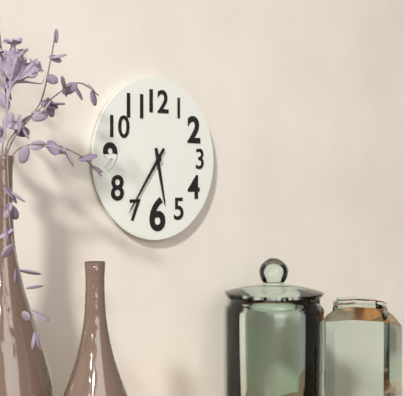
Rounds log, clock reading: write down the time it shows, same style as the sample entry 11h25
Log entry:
5h36
